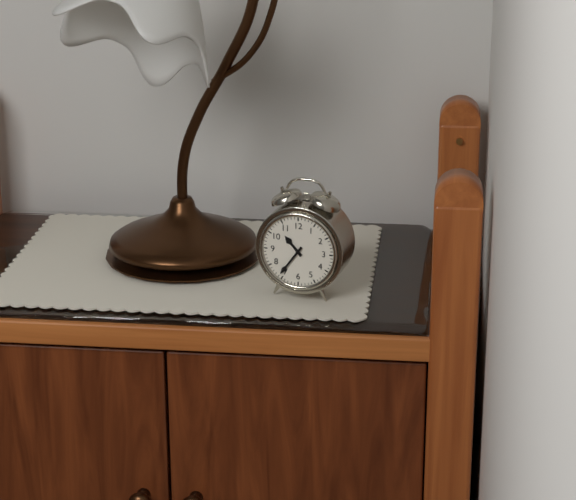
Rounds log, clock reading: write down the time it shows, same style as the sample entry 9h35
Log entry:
10h36
